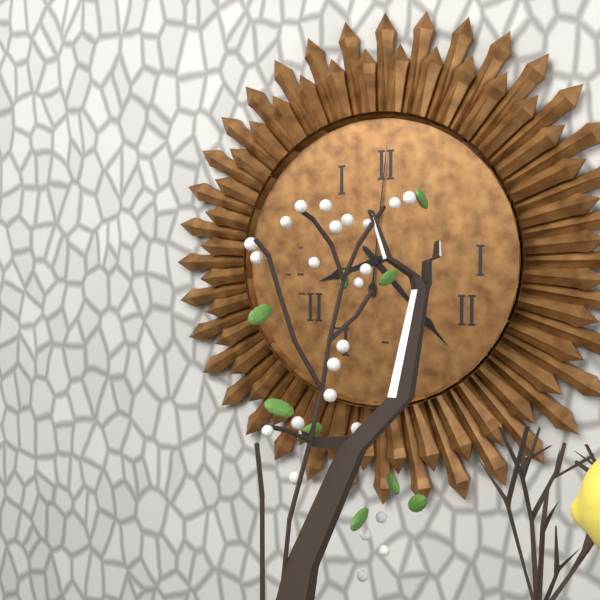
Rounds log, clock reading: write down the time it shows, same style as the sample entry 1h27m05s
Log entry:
8h23m01s
